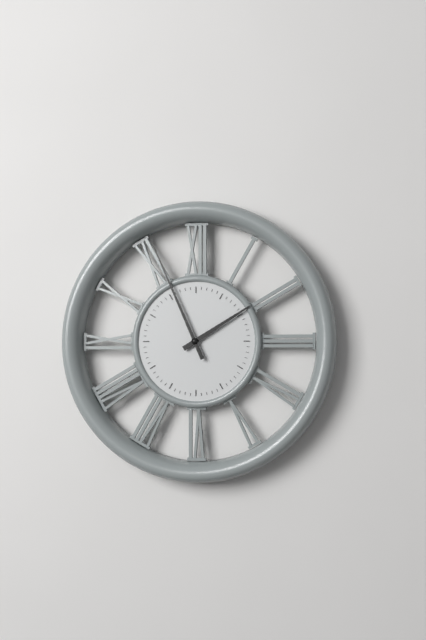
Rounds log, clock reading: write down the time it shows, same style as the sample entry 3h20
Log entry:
1h56
